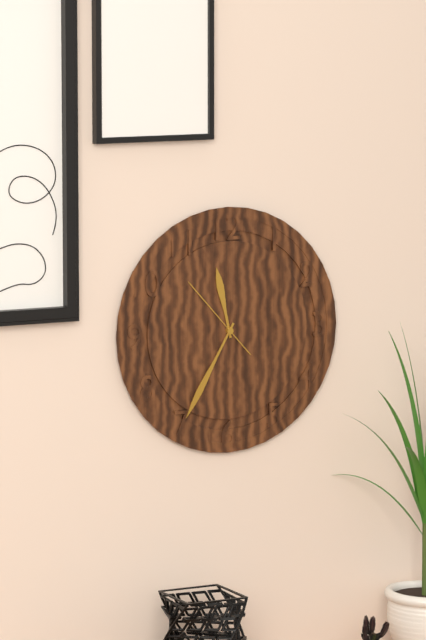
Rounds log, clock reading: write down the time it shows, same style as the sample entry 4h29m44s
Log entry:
11h35m53s
